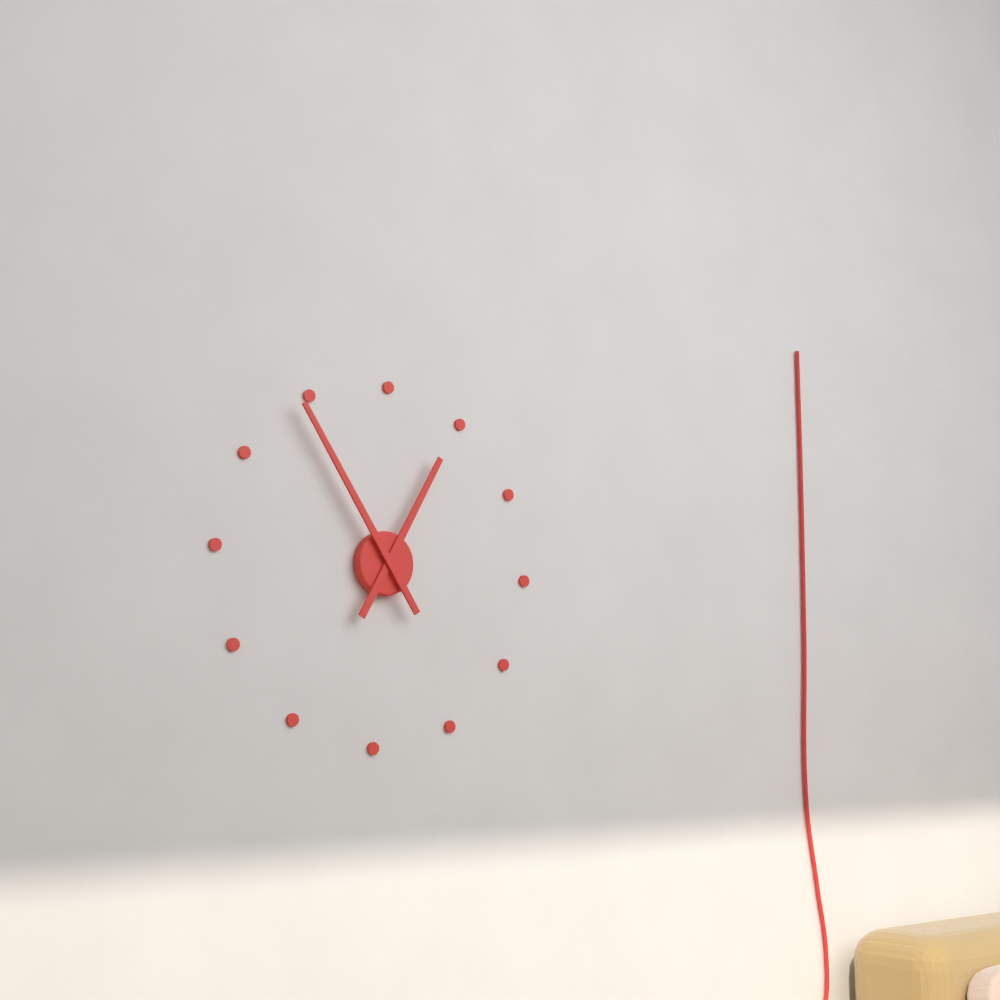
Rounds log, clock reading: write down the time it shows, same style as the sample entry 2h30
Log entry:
12h54
